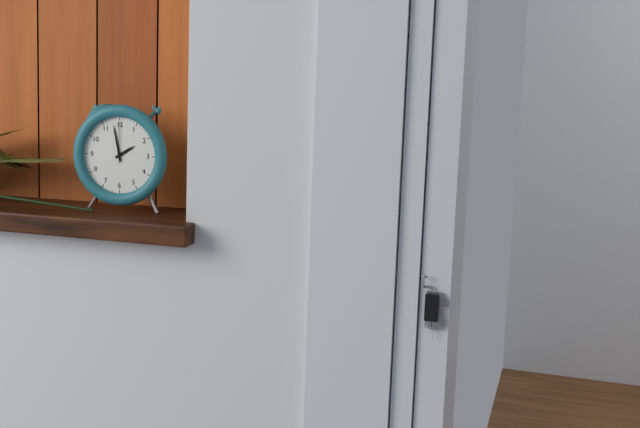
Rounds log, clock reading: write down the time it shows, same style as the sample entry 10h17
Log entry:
1h58
